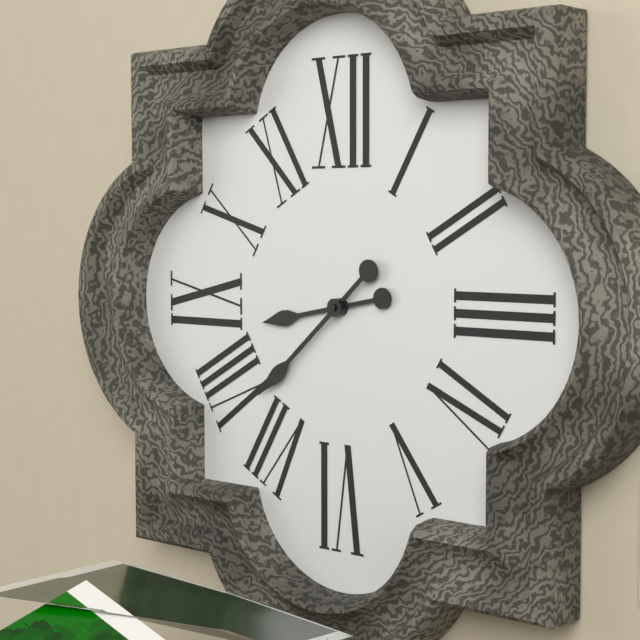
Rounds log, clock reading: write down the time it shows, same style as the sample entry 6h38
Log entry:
8h38
